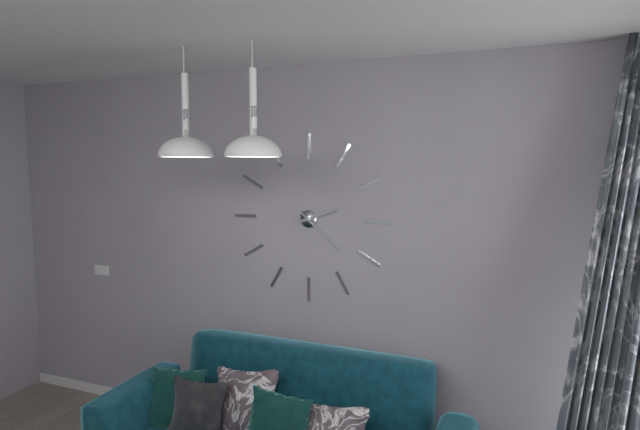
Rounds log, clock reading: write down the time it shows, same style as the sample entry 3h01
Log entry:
2h22
